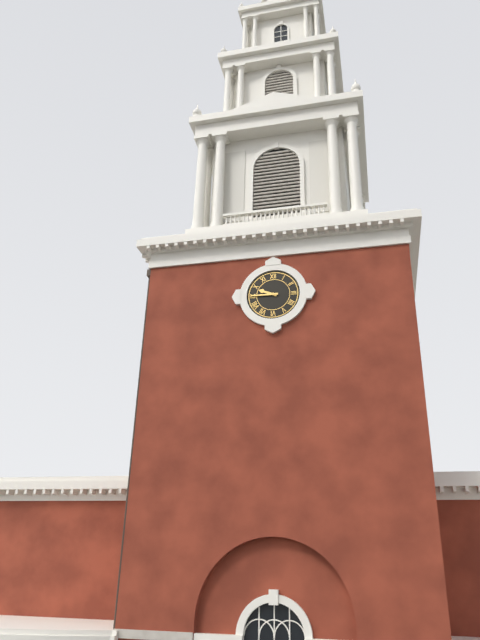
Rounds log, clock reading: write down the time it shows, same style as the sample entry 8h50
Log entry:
9h45
